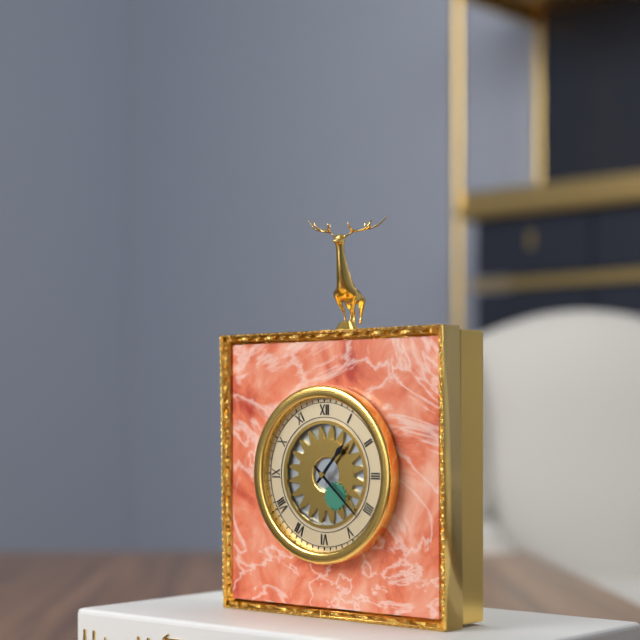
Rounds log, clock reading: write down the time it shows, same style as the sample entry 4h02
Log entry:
1h22
